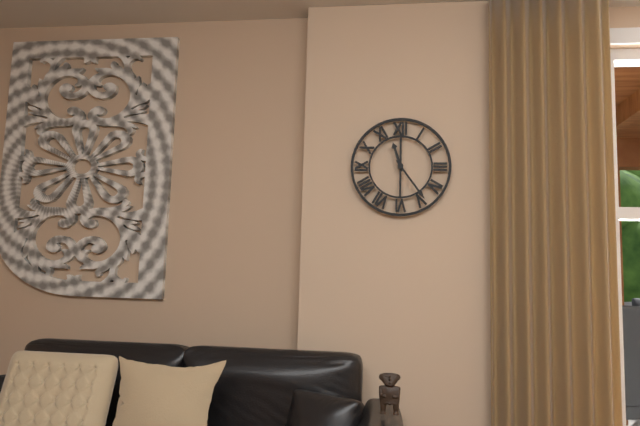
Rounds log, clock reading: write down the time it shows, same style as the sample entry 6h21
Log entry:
11h24
